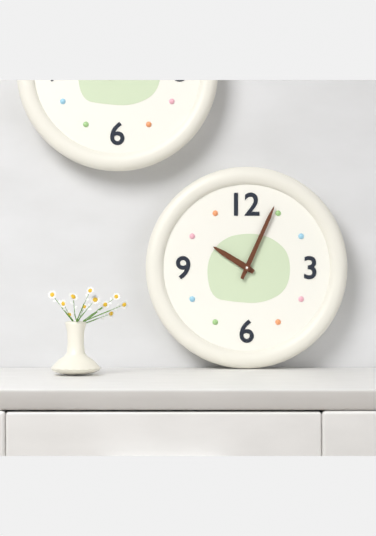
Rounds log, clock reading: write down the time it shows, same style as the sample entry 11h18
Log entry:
10h04
